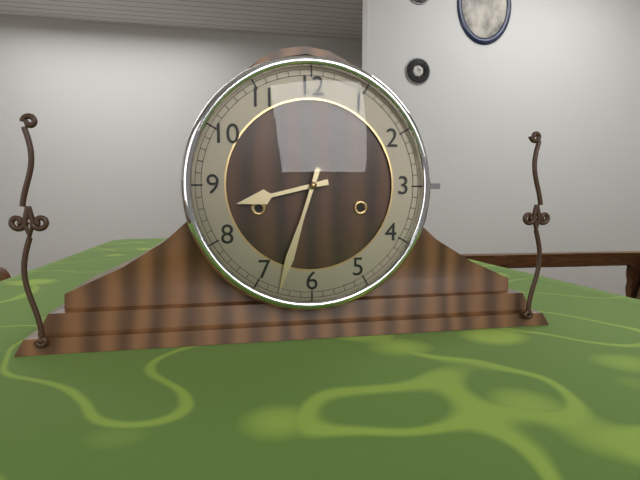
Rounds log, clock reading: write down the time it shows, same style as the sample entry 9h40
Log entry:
8h33
